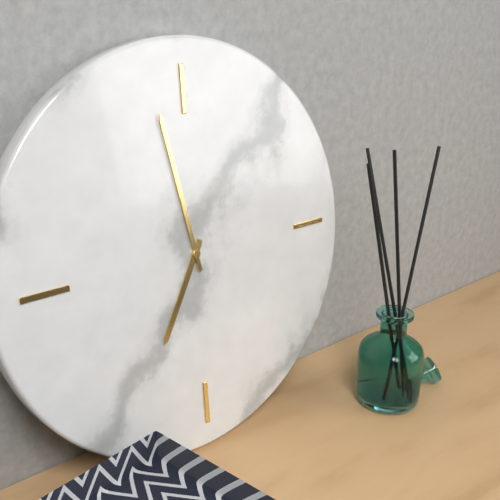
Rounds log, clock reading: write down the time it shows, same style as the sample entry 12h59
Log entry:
6h58
